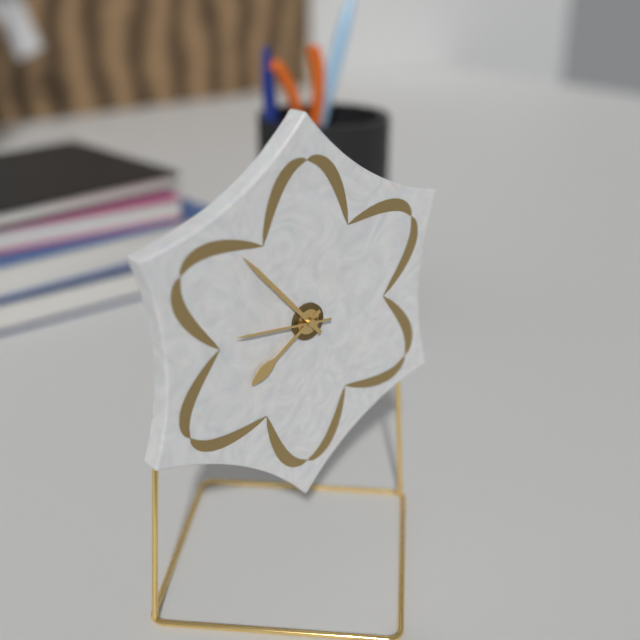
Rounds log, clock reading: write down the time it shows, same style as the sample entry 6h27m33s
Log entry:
7h53m46s
